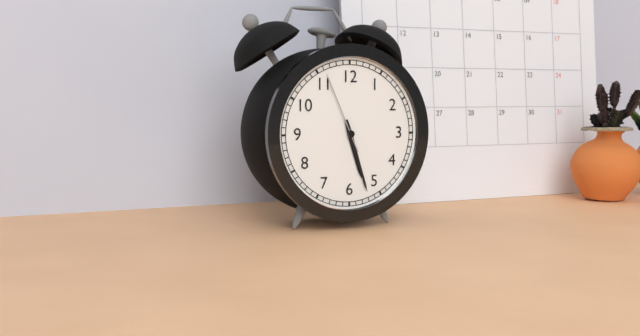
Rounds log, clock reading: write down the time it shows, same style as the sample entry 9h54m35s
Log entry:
5h27m56s
